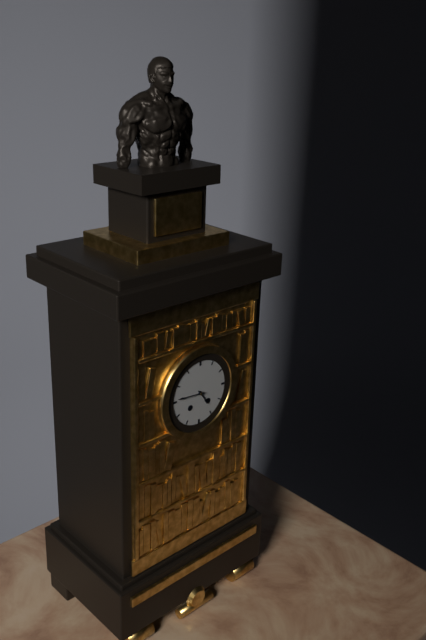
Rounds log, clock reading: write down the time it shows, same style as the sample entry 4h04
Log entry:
4h46
